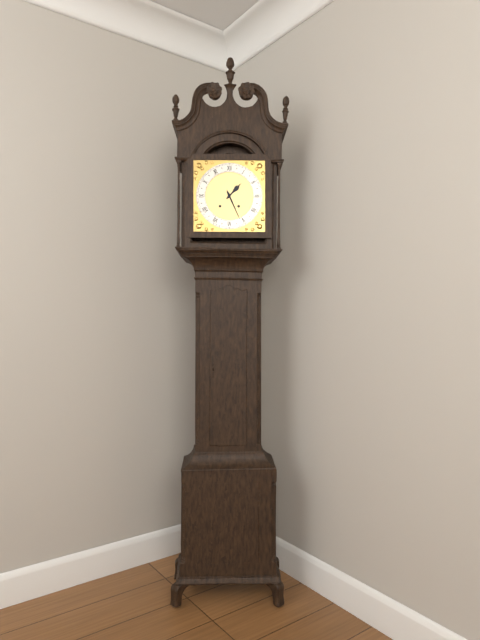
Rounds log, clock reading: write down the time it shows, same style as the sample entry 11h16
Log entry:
1h26
